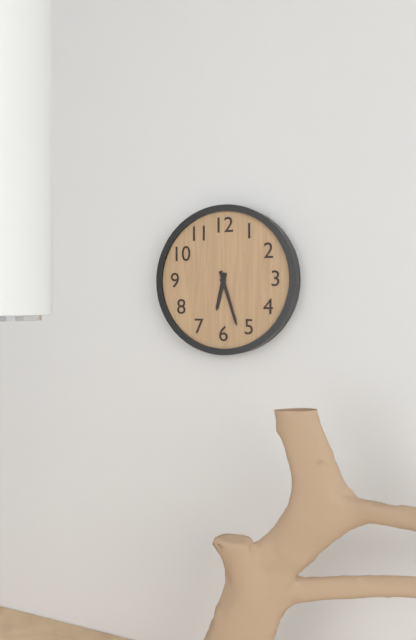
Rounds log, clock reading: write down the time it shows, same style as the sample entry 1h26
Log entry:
6h27
